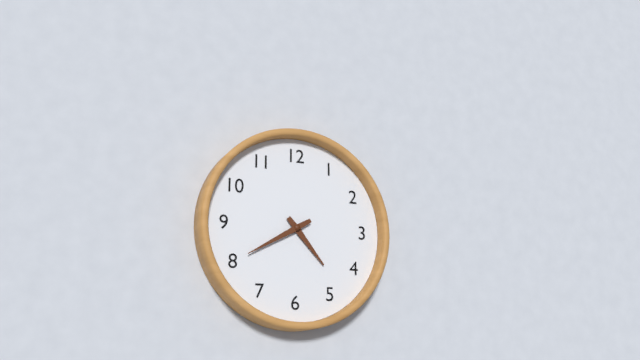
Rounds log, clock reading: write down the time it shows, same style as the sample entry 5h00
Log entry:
4h40
